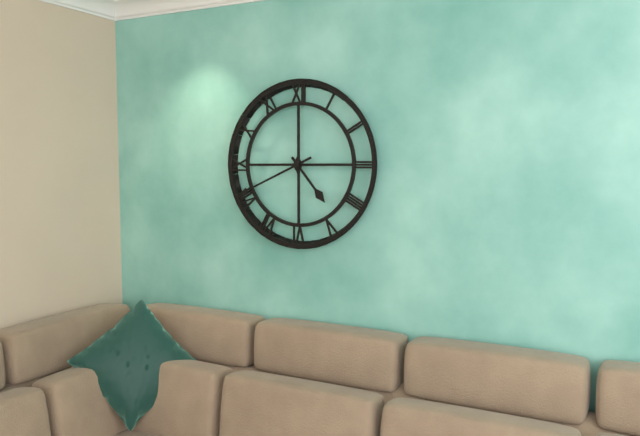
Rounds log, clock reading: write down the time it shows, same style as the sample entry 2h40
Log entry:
4h41
